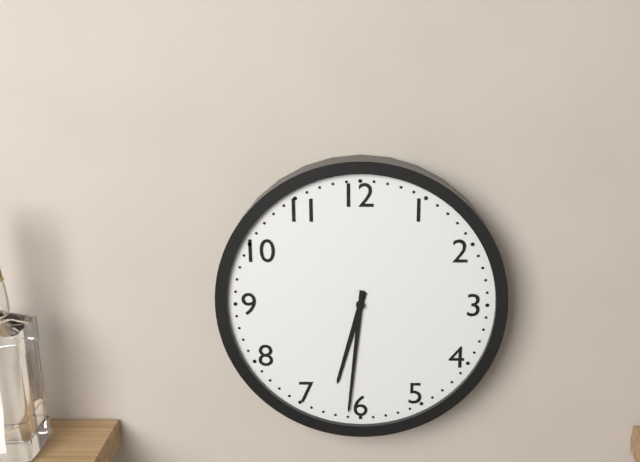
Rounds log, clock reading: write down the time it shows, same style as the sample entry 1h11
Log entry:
6h31
